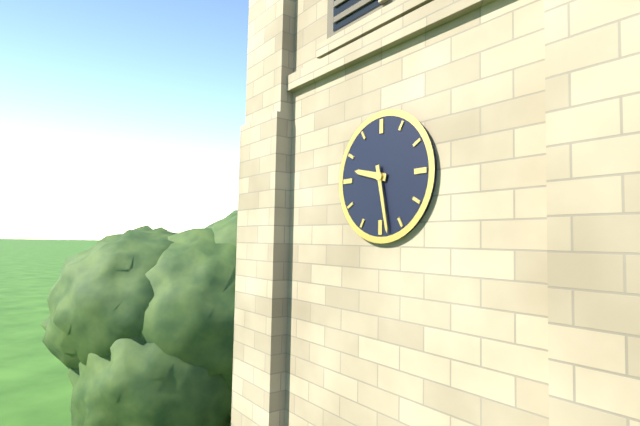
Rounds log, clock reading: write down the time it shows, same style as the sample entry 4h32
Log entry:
9h28
